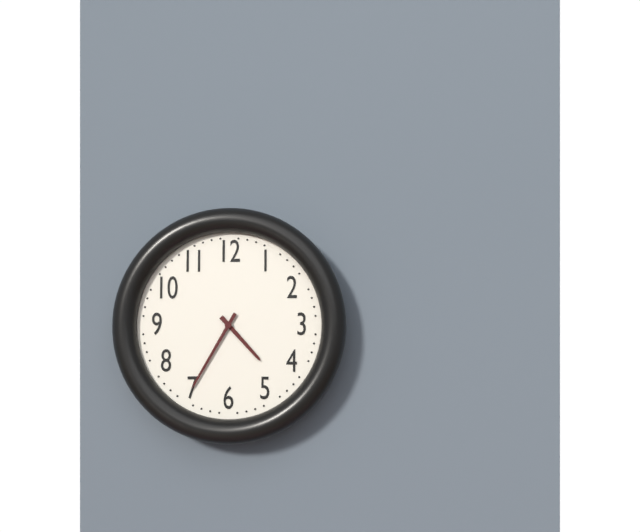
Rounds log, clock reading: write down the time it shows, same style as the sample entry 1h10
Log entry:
4h35
